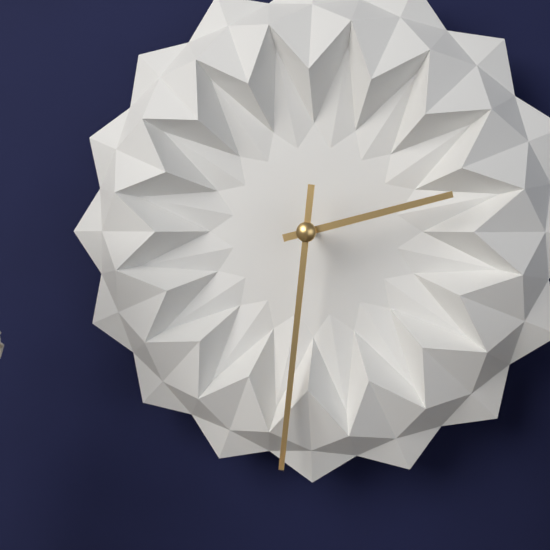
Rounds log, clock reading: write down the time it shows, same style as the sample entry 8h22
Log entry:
2h31
